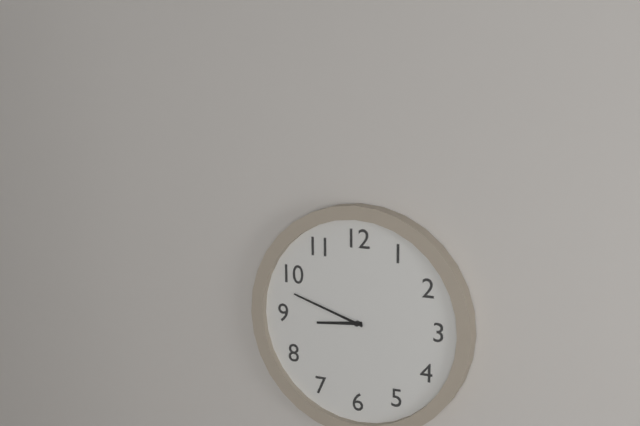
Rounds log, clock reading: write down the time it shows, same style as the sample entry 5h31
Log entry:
8h48
